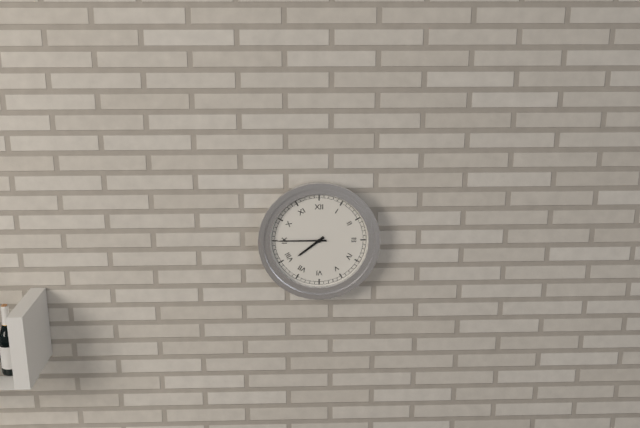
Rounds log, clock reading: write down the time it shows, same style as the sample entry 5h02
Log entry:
7h45
